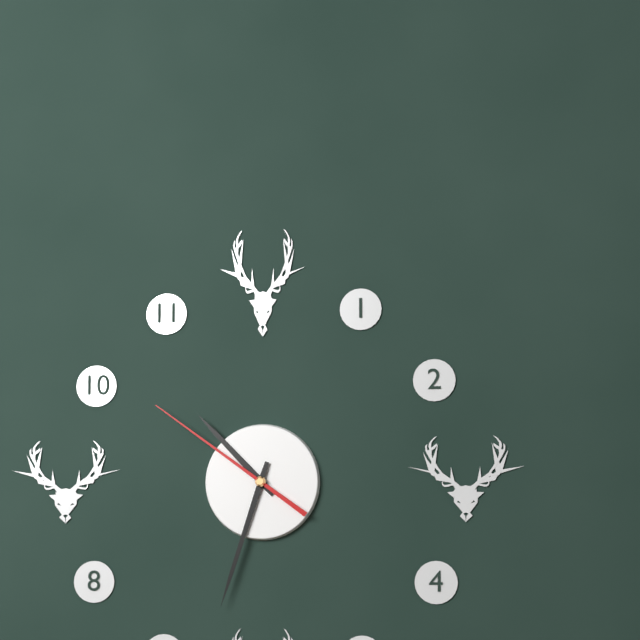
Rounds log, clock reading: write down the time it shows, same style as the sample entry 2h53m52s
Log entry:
10h33m51s
